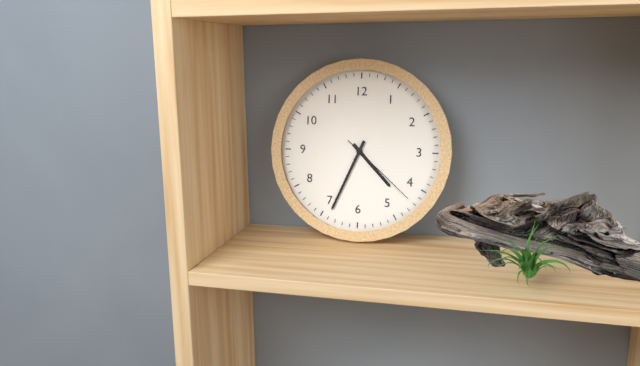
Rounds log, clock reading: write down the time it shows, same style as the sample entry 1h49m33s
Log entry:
4h34m22s
